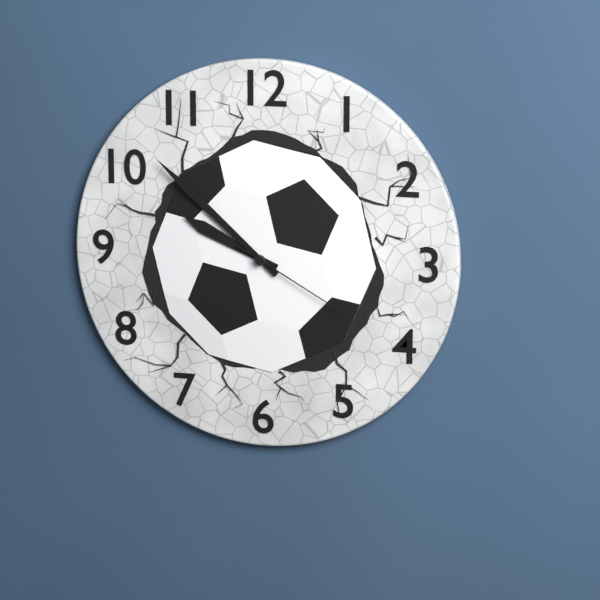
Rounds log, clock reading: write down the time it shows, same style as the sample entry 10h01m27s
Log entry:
9h52m20s
